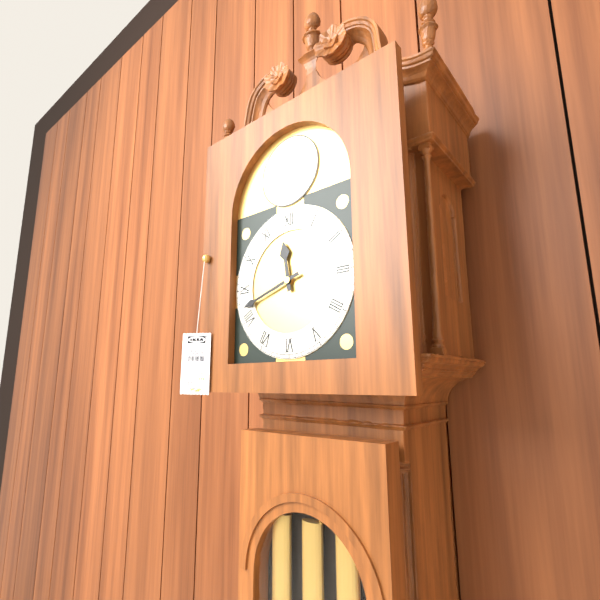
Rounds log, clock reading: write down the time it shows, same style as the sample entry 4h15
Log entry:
11h42
